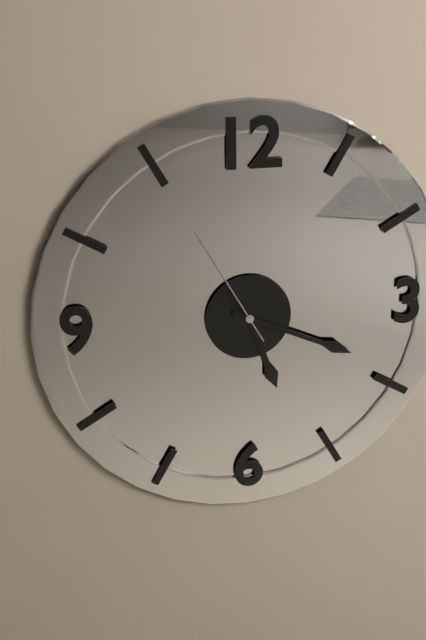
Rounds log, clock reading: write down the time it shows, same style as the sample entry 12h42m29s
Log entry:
5h19m55s
